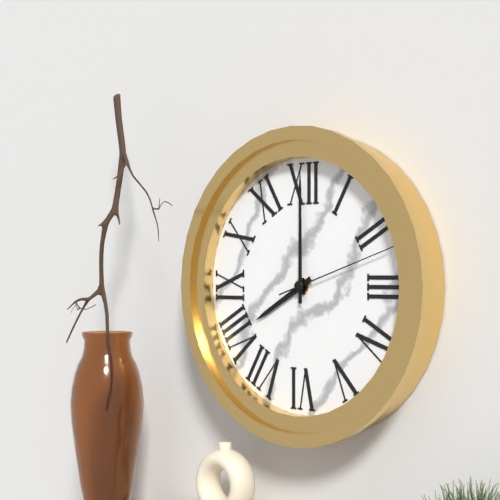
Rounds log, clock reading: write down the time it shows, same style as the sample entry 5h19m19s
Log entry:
8h00m12s
